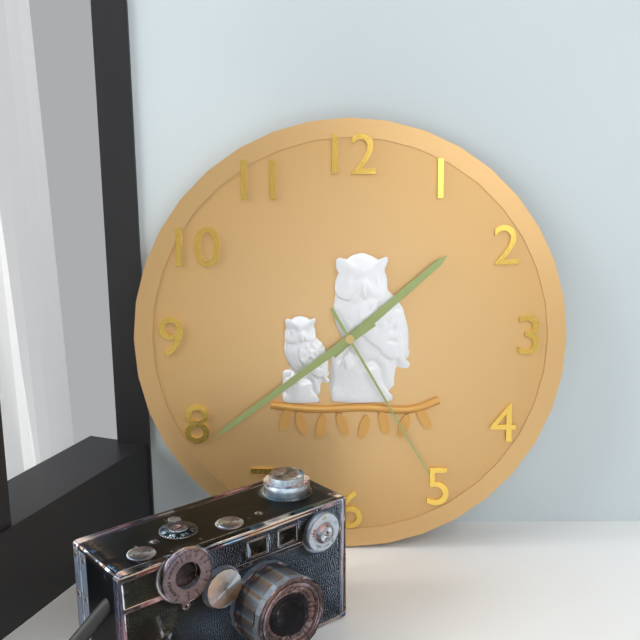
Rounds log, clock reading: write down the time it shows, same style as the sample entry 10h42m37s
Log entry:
1h39m25s
